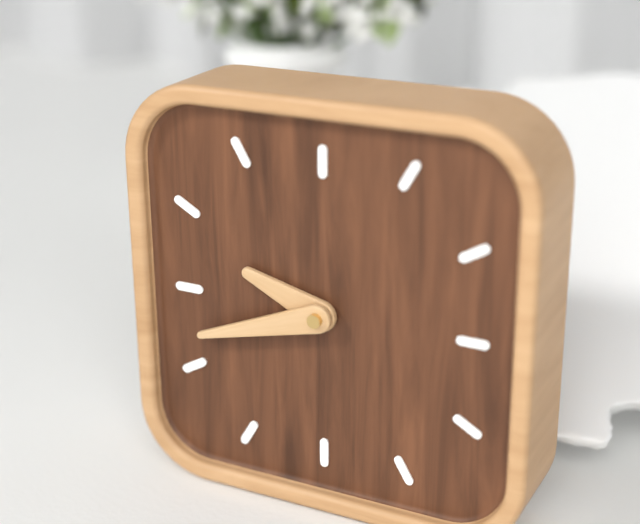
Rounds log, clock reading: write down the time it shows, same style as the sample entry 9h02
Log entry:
9h42
